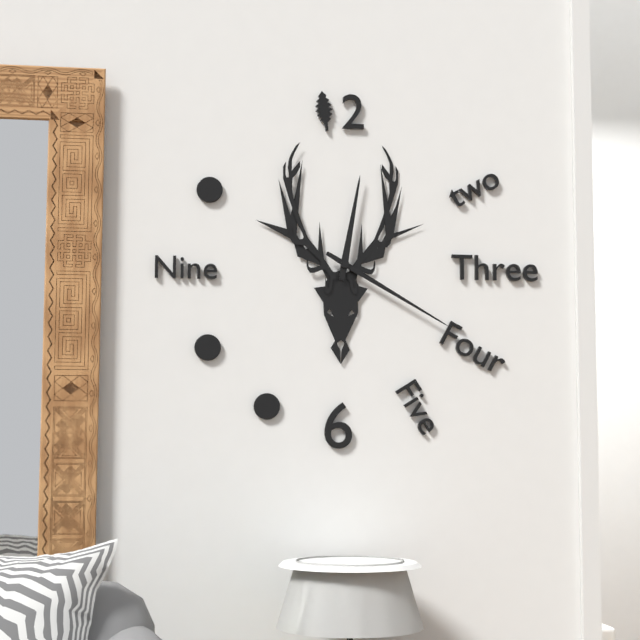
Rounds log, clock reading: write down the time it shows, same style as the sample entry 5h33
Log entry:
12h20
